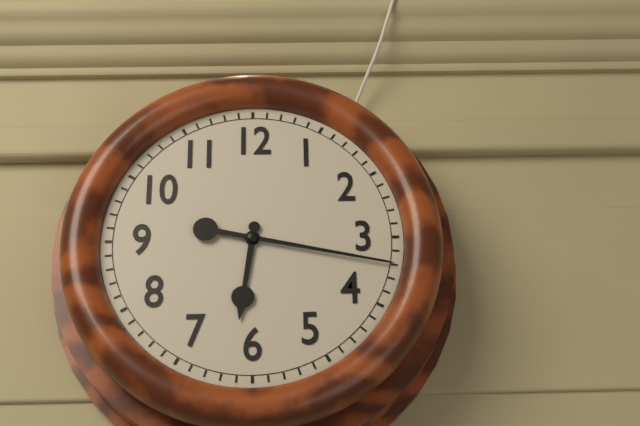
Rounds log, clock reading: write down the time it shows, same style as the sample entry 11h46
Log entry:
6h17
